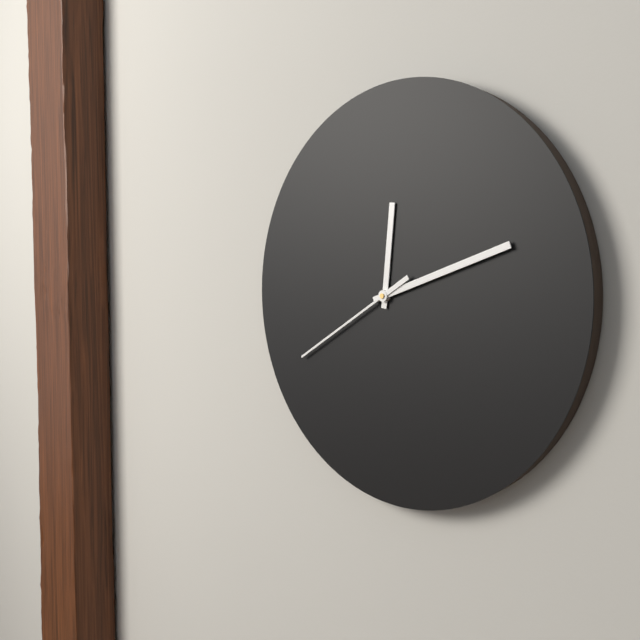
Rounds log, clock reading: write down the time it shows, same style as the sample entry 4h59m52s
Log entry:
12h12m40s
